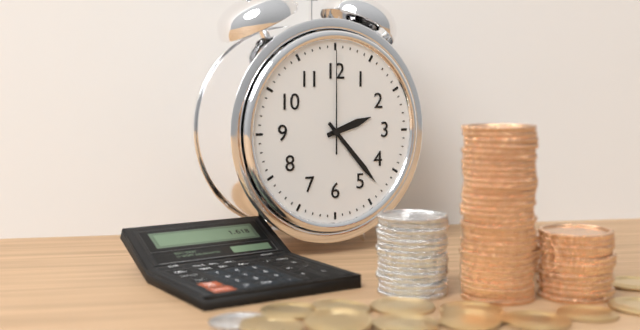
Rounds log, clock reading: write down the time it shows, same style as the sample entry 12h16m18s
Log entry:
2h23m00s
